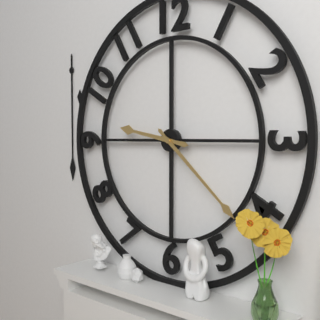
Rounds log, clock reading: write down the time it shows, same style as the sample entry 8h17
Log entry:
9h22
